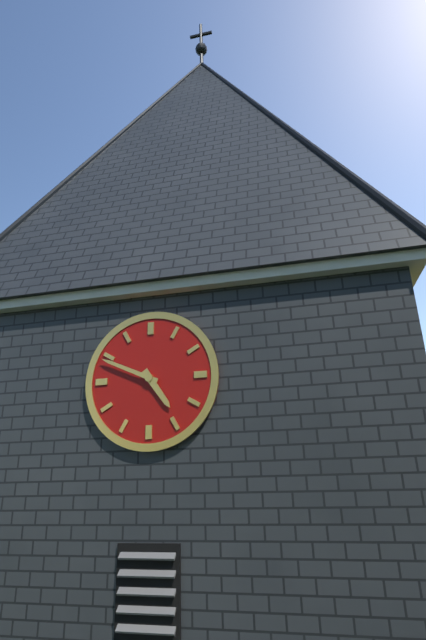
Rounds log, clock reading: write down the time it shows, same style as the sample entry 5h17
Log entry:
4h49
